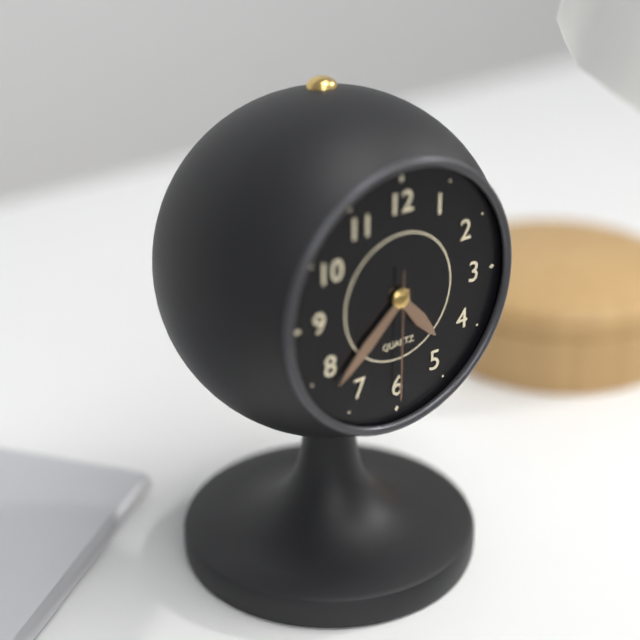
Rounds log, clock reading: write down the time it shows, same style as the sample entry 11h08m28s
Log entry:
4h38m30s
